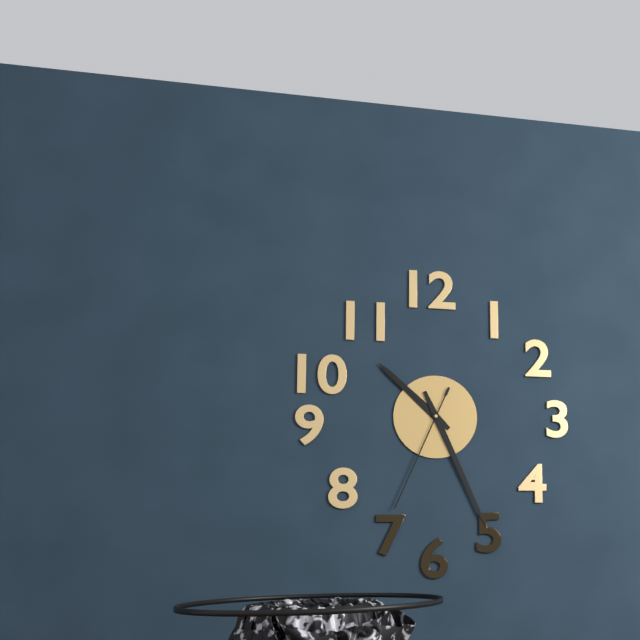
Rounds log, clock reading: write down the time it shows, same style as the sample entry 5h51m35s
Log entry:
10h26m34s
